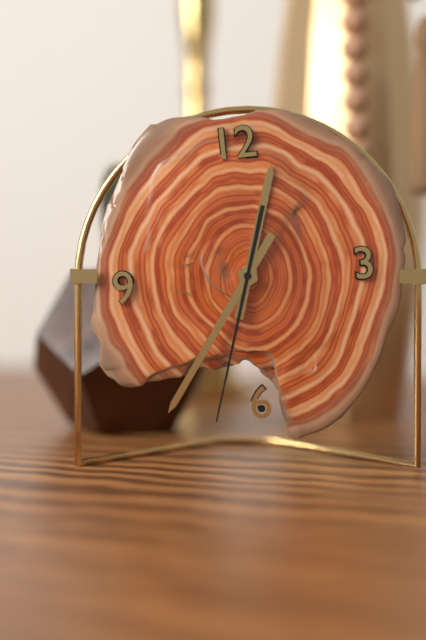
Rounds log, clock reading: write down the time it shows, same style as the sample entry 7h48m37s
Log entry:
12h36m33s
